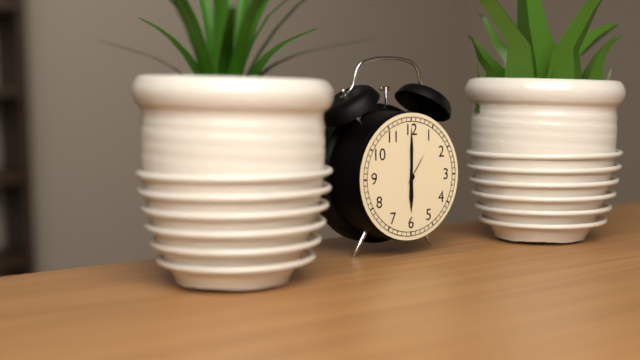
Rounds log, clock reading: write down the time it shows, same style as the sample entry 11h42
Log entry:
6h00
